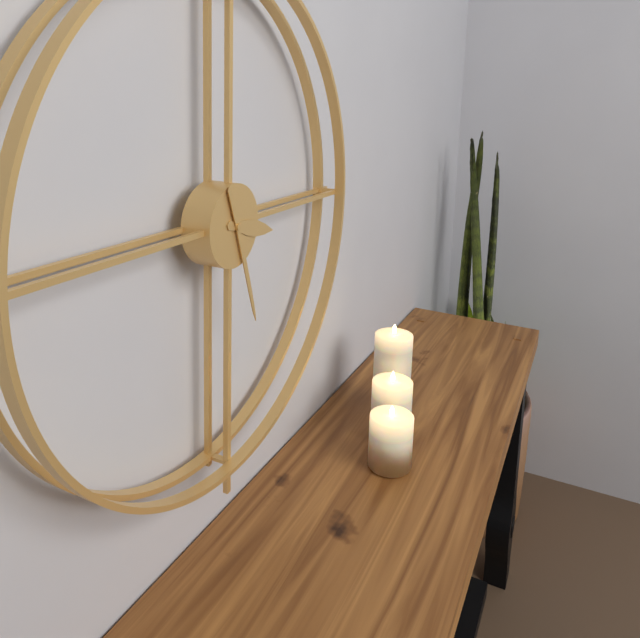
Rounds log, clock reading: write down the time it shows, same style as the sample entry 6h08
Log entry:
3h27
